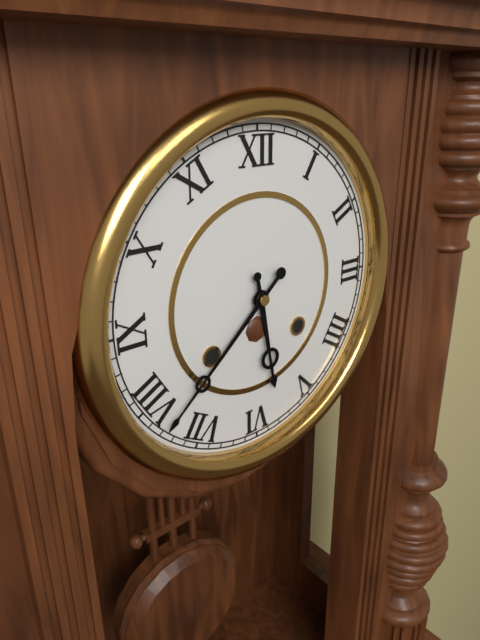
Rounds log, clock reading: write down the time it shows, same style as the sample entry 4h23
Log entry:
5h38
